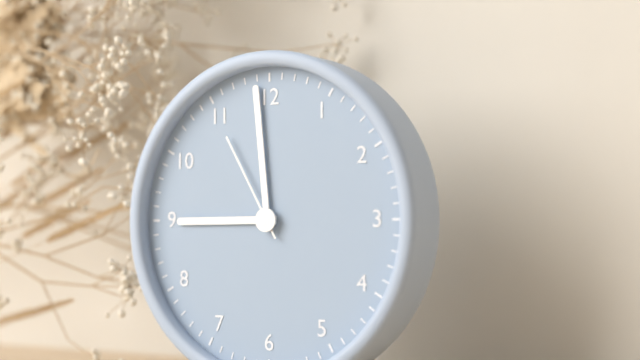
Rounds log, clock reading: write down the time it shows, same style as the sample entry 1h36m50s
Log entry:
8h59m55s
